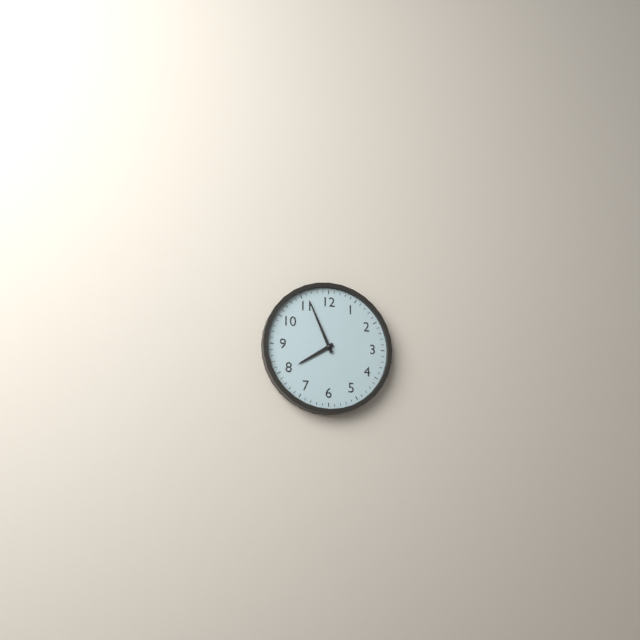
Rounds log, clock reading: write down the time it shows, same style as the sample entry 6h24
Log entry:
7h56
